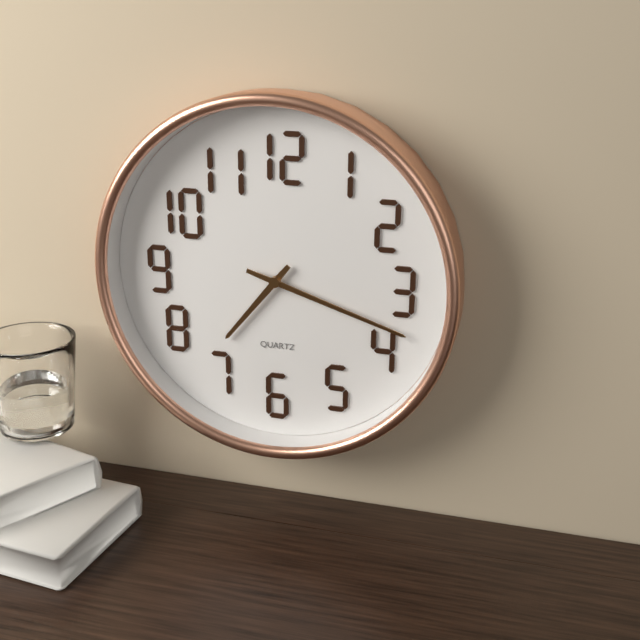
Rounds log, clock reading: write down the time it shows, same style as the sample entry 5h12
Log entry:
7h18
